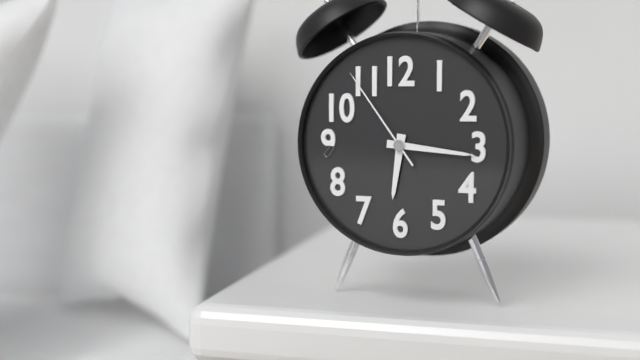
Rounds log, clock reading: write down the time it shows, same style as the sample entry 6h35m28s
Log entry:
6h16m54s
